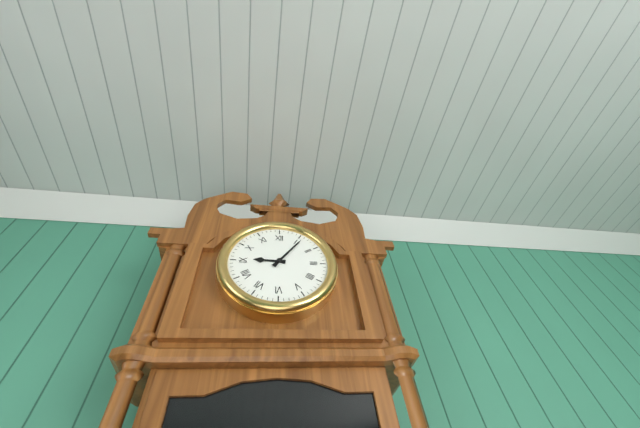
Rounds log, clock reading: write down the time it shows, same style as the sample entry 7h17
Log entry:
9h06
